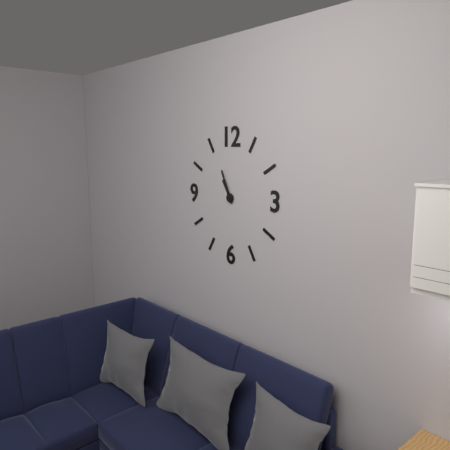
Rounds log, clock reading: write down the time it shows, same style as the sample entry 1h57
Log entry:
10h56
